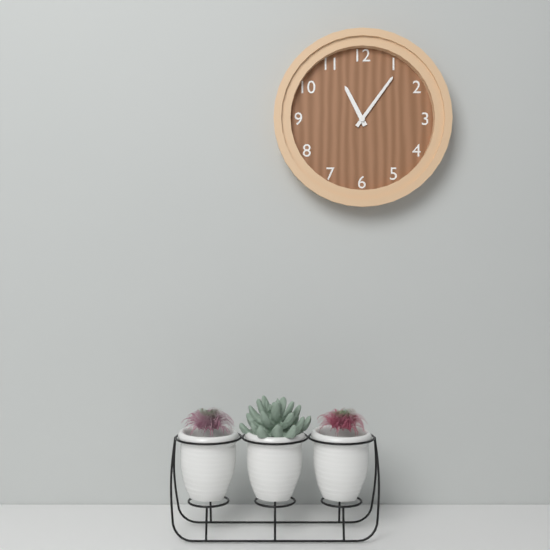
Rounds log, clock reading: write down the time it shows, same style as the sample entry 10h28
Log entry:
11h06
